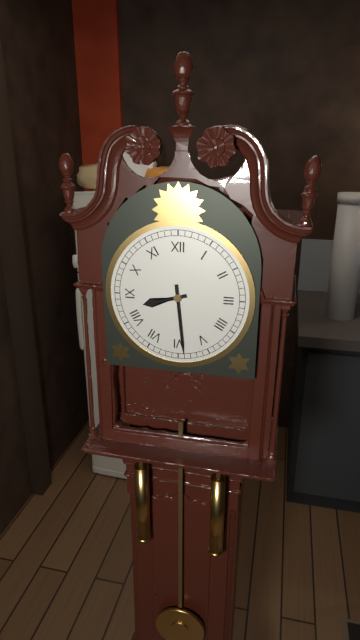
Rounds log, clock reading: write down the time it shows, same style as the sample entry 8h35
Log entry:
8h29
